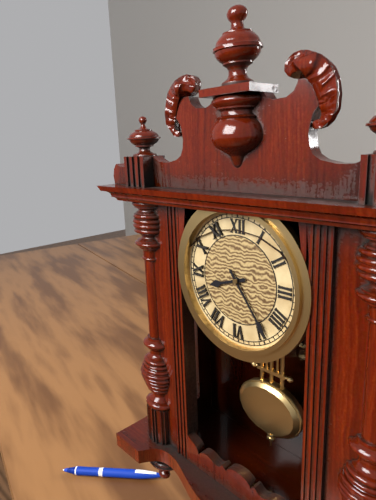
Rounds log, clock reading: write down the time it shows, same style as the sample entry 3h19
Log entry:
8h24
